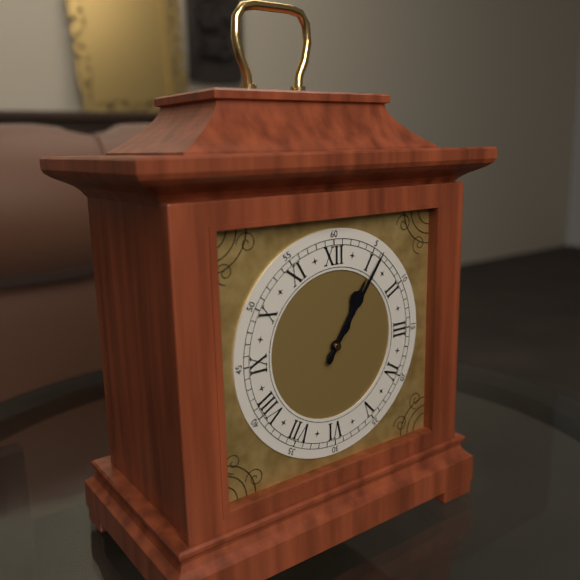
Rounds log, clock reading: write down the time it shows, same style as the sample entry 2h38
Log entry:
1h06
